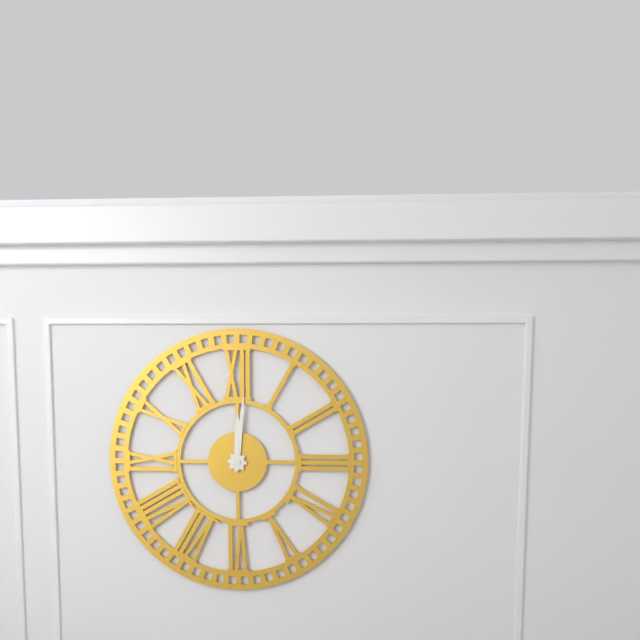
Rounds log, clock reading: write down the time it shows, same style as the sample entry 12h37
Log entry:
12h01
